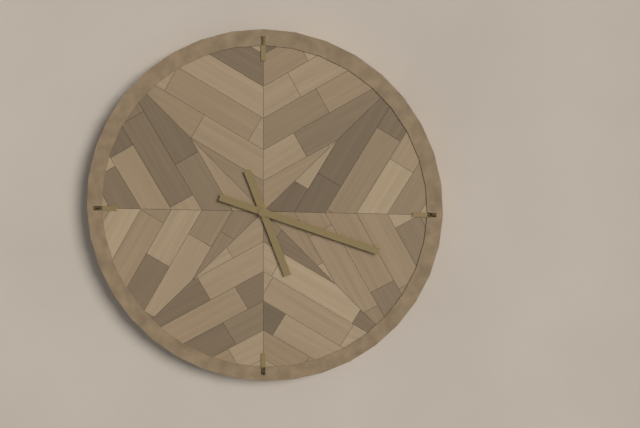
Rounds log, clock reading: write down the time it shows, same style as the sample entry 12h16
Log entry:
5h18
